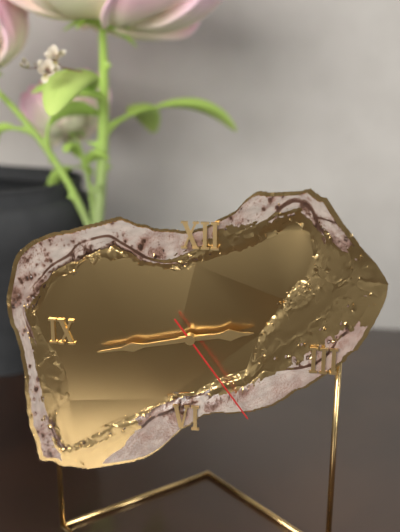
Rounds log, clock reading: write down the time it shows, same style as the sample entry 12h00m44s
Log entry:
2h43m24s
